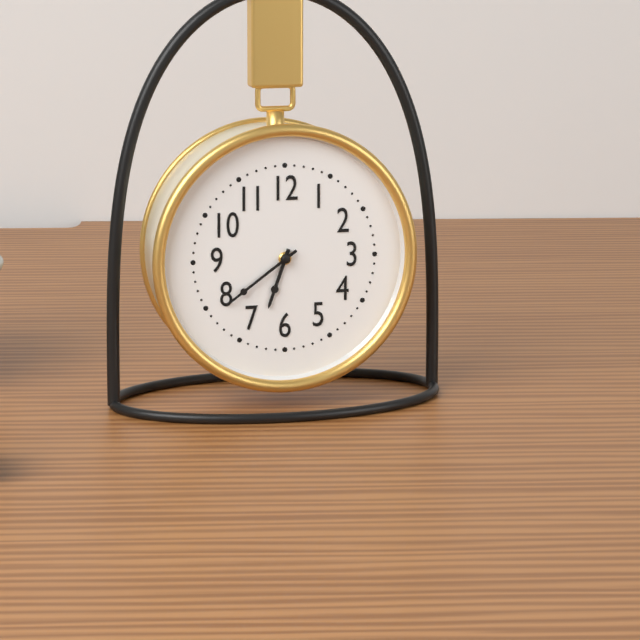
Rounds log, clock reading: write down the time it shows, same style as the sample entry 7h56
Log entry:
6h39
